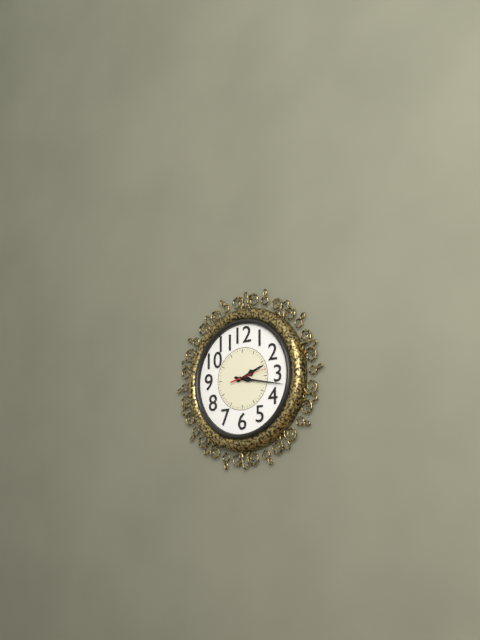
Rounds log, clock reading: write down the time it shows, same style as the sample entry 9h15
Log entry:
2h17
